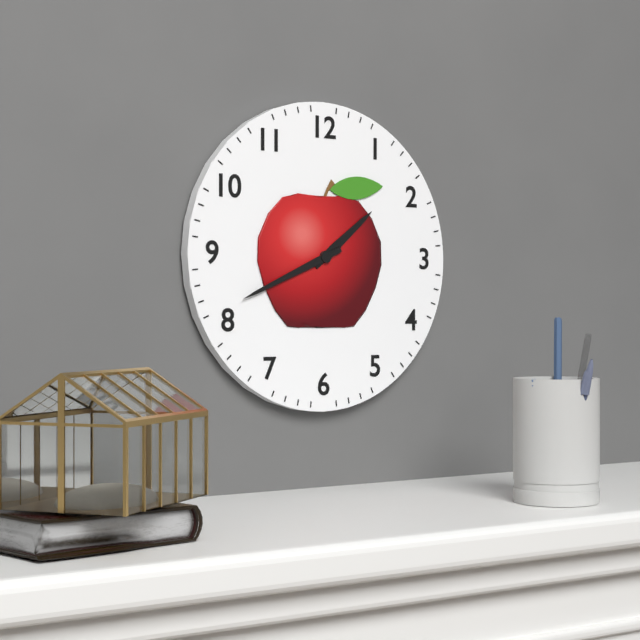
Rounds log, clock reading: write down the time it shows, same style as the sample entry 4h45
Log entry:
1h41
